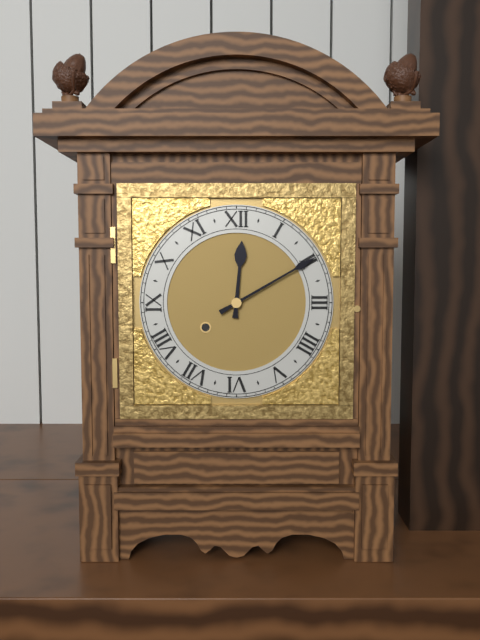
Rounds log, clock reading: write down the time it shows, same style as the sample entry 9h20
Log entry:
12h10
